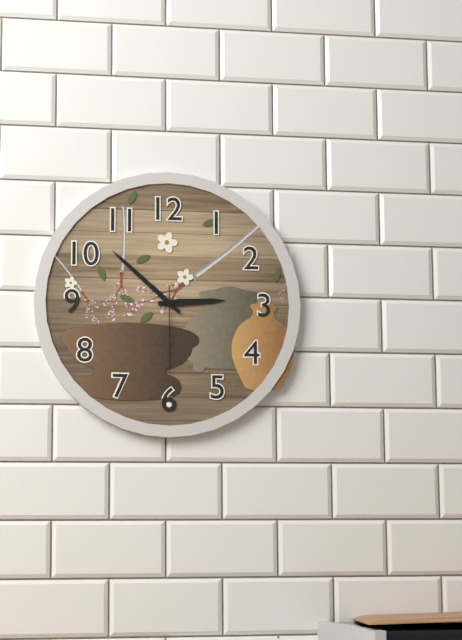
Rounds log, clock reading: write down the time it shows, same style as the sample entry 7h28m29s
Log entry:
2h52m30s
